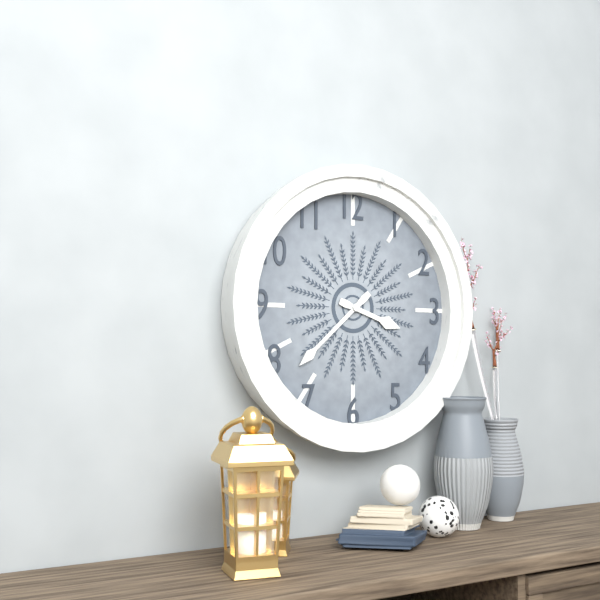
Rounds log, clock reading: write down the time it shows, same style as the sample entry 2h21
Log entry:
3h38
